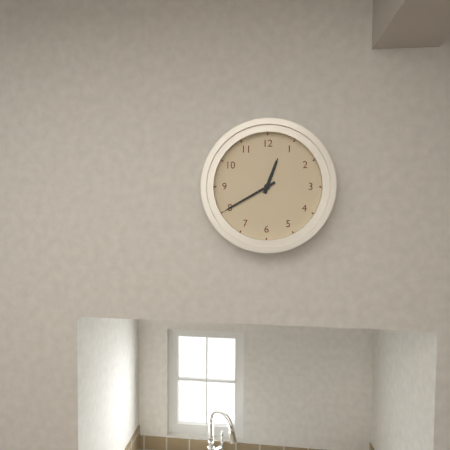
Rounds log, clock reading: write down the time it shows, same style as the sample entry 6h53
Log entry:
12h40
